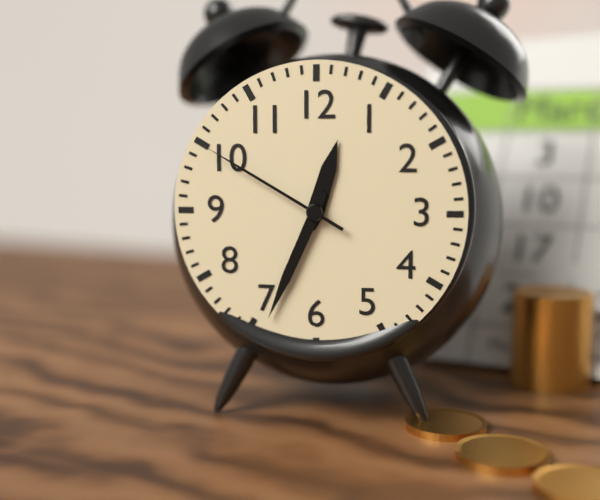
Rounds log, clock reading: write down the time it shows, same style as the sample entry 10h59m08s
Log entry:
12h34m50s
